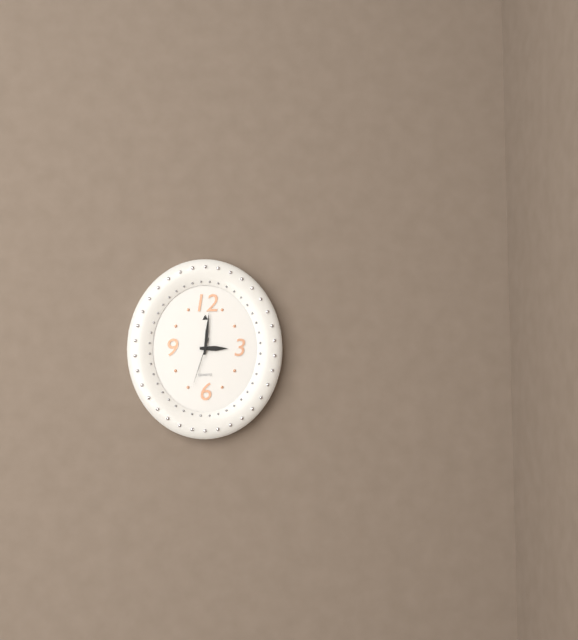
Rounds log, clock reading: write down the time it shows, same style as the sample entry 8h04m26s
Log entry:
3h01m33s
